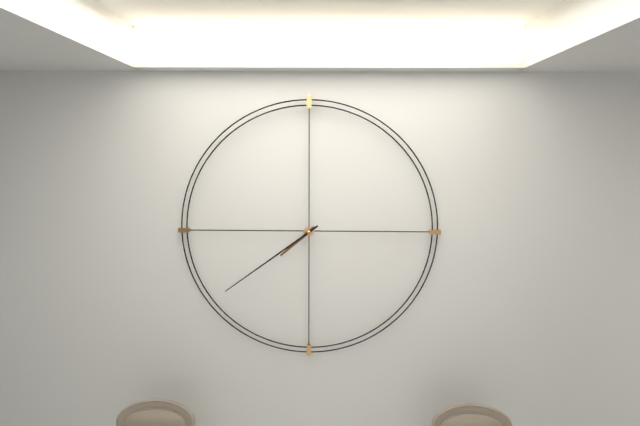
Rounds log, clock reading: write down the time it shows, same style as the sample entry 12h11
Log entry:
7h39
